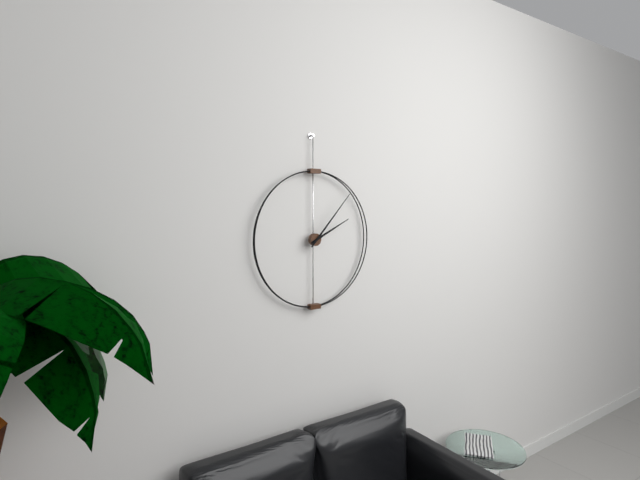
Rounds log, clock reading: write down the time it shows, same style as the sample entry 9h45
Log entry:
2h07
